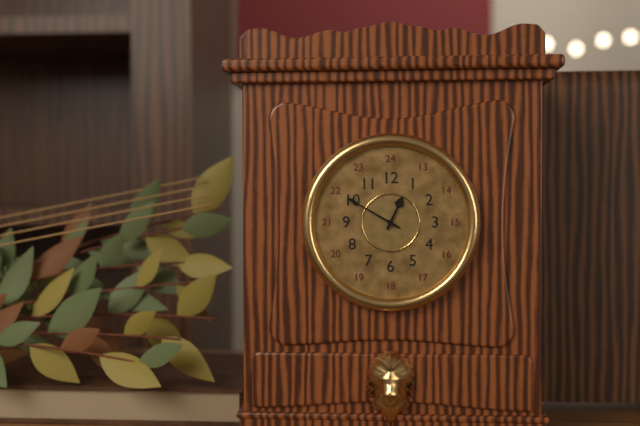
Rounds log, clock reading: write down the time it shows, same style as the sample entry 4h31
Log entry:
12h50
